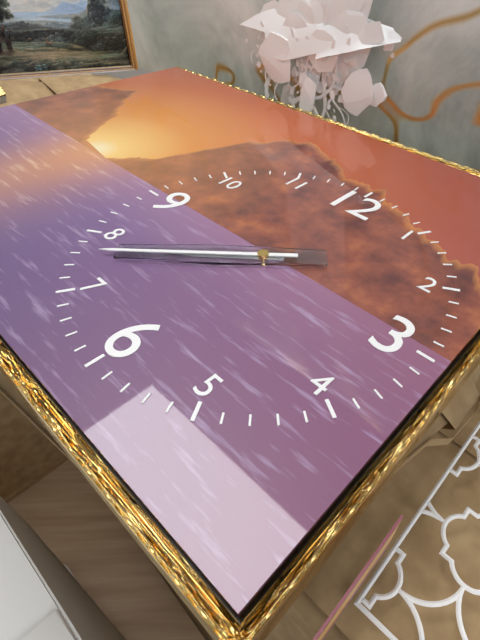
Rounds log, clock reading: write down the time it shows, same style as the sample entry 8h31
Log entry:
7h38
